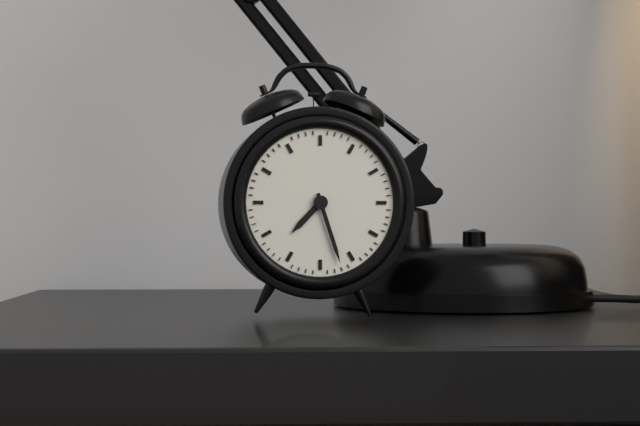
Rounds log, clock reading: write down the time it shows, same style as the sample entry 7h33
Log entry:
7h27
